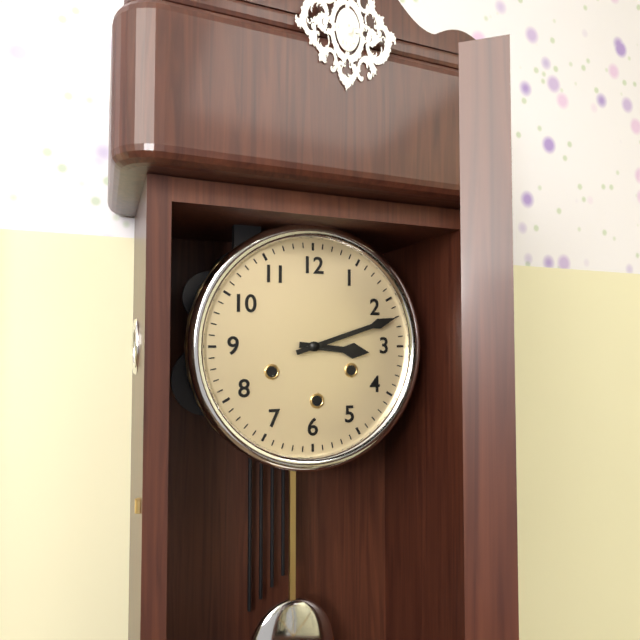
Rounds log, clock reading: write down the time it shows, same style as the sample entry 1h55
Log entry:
3h12
